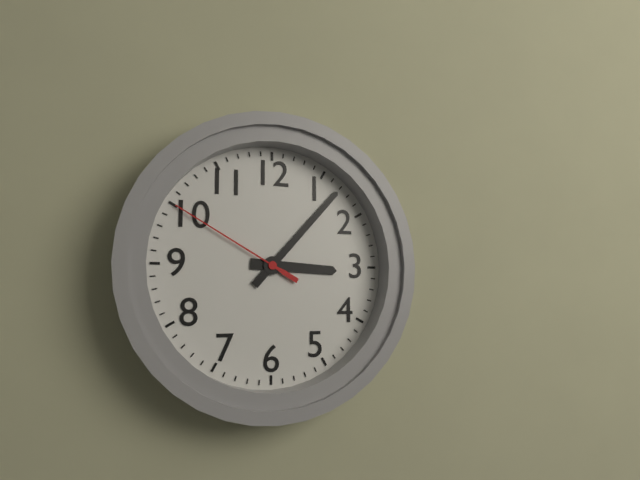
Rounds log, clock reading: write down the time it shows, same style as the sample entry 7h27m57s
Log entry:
3h07m50s
